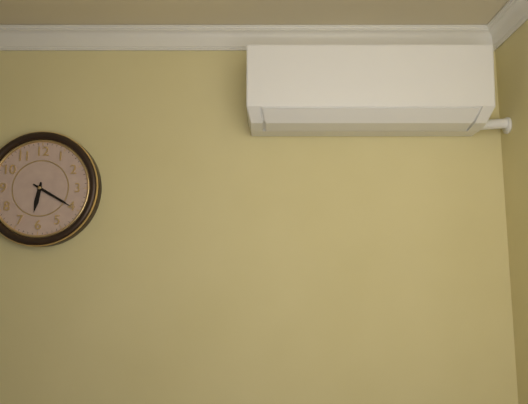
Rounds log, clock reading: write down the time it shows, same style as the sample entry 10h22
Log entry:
6h20
